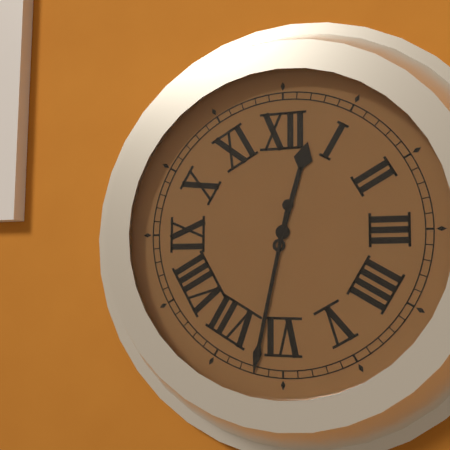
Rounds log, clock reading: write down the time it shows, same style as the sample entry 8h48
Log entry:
12h32
